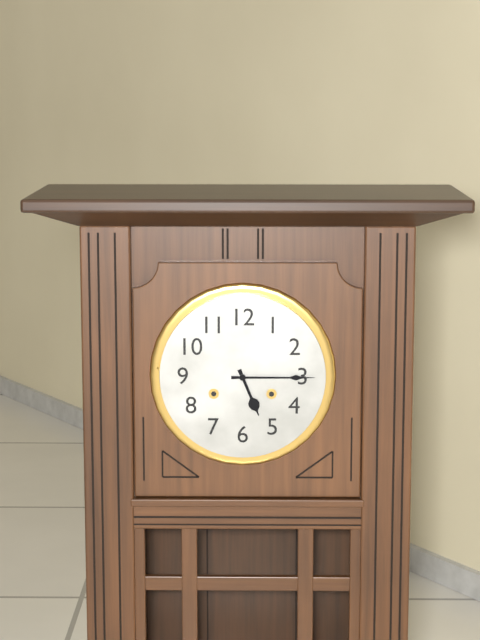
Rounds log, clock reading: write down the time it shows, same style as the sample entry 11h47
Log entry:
5h15
